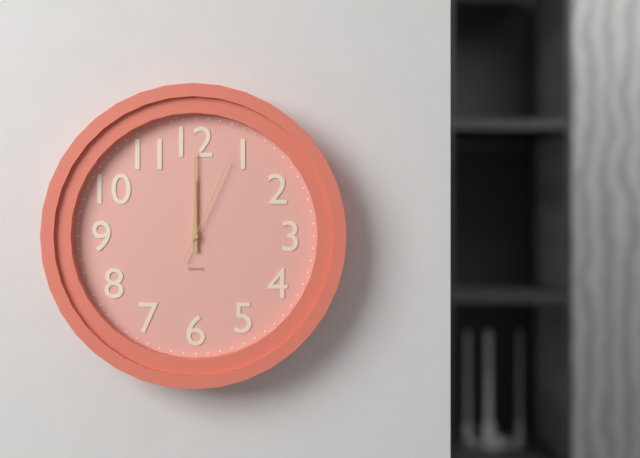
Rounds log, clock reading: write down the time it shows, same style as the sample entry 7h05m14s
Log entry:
12h00m04s
